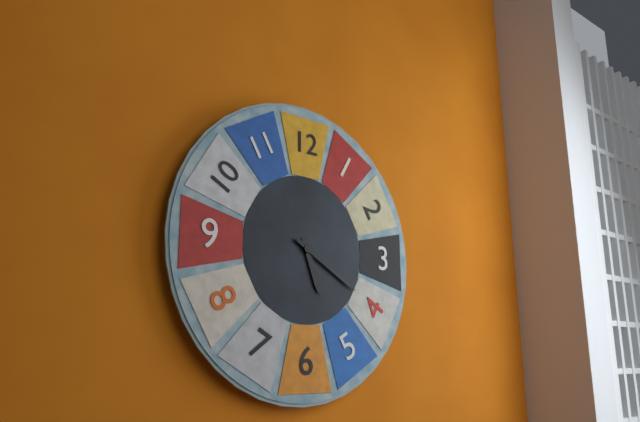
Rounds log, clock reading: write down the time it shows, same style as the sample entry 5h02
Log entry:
5h20
